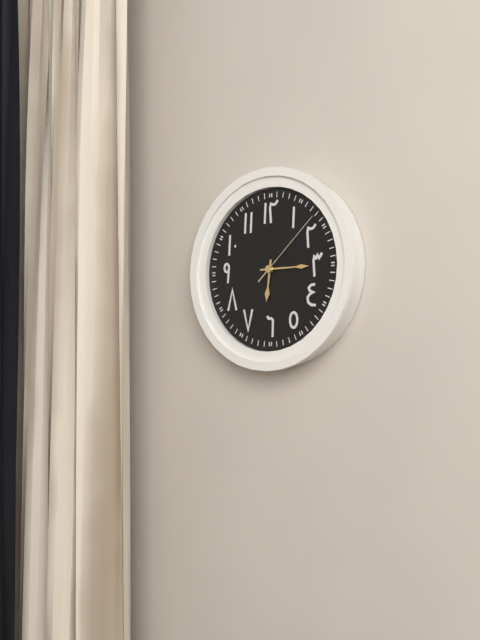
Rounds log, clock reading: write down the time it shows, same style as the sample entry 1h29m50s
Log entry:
6h15m08s
